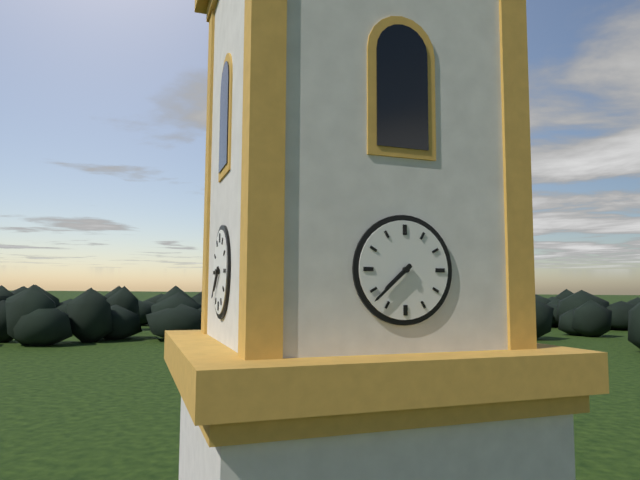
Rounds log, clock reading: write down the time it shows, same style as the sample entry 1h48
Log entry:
7h38
